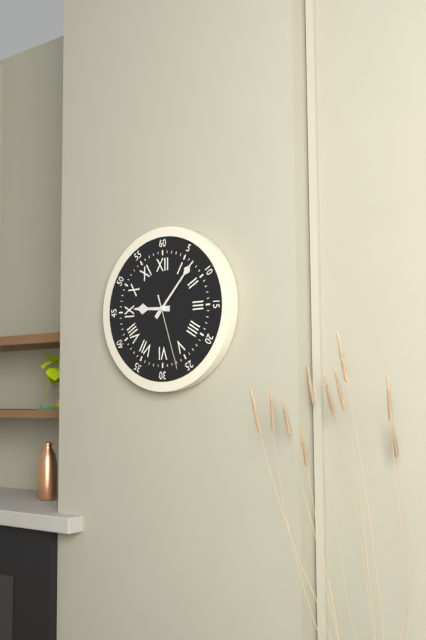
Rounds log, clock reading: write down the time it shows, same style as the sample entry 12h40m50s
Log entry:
9h07m27s
